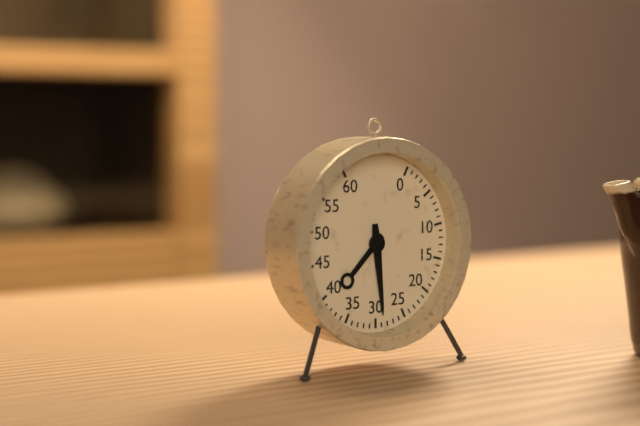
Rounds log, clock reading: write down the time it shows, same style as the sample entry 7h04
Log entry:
7h29
